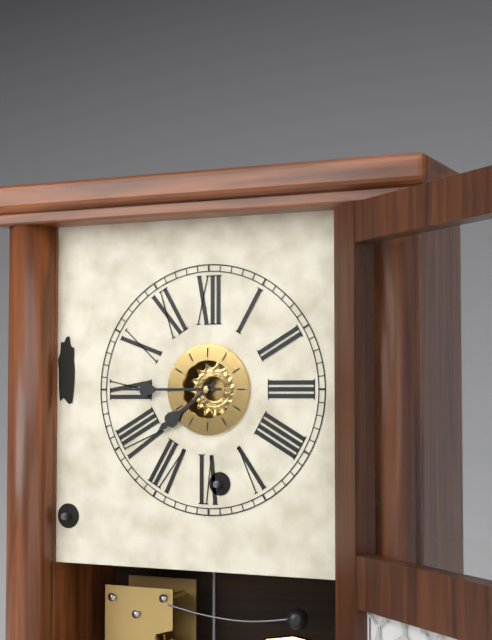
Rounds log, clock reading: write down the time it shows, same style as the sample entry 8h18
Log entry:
7h45
